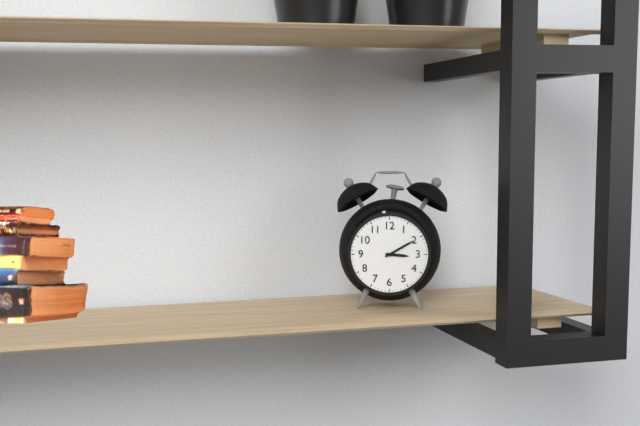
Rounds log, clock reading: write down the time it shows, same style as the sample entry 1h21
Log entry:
3h10
